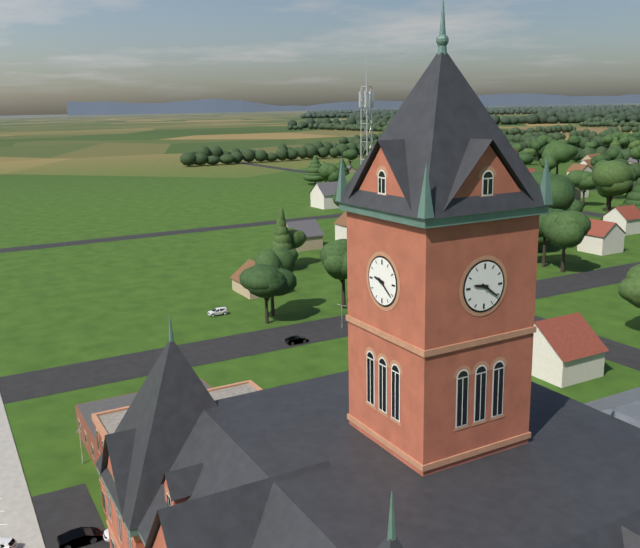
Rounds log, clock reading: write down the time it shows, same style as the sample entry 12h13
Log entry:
9h21
